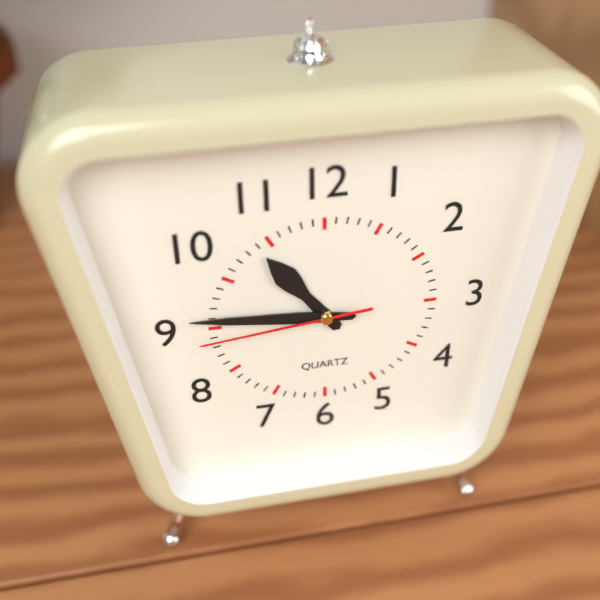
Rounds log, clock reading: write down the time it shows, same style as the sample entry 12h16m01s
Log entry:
10h46m44s
